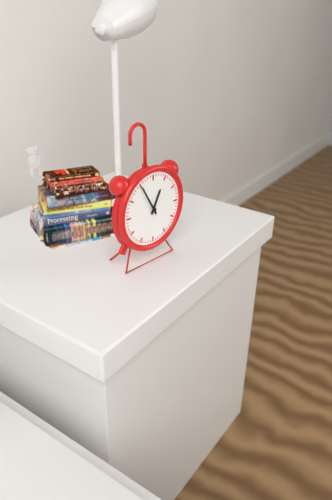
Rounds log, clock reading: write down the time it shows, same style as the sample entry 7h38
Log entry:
12h55
